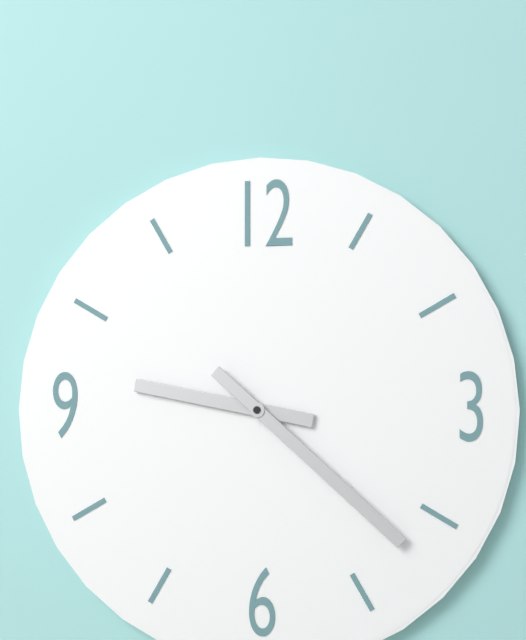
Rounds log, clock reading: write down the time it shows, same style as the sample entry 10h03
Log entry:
9h22
